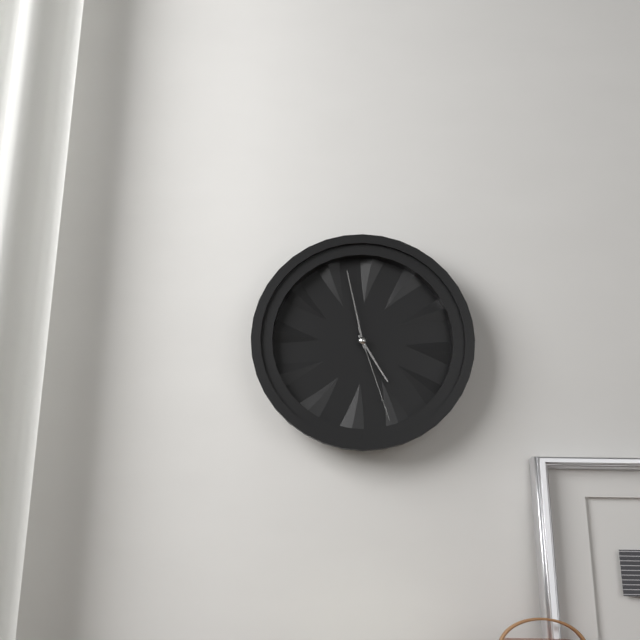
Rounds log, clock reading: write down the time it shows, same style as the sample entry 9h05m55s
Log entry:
4h58m27s
